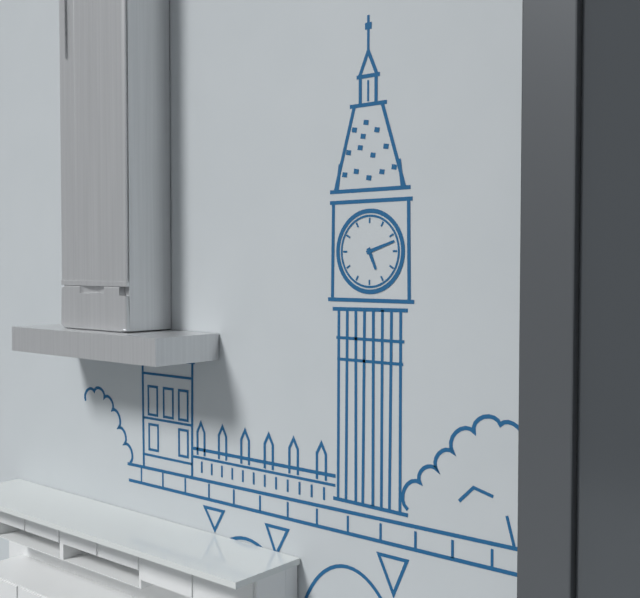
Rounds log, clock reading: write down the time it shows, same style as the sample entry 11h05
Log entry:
5h12
